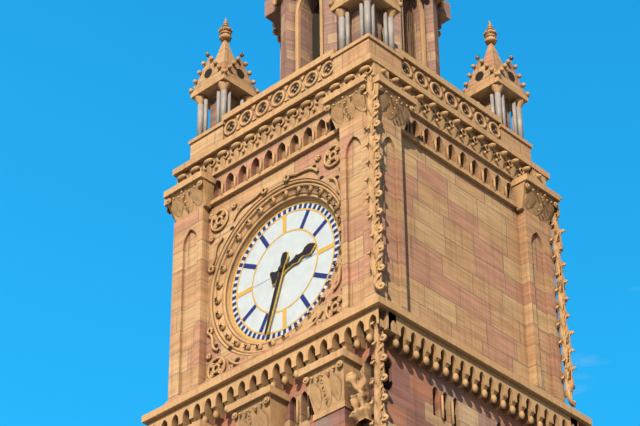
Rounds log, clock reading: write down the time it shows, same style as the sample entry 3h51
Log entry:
2h33
